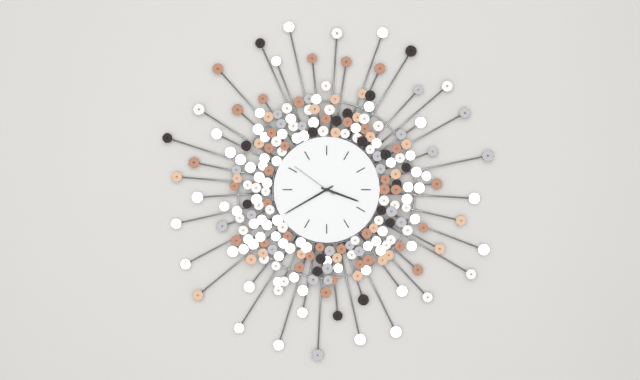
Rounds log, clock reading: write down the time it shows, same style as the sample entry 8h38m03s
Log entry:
3h40m51s
